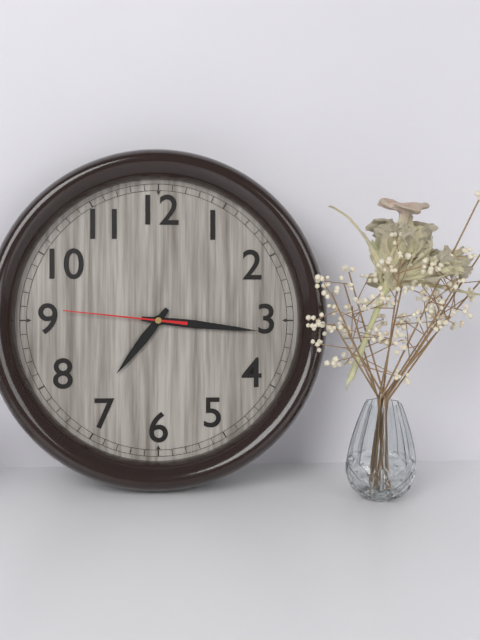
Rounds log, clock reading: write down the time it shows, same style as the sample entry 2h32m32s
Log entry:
7h16m46s
